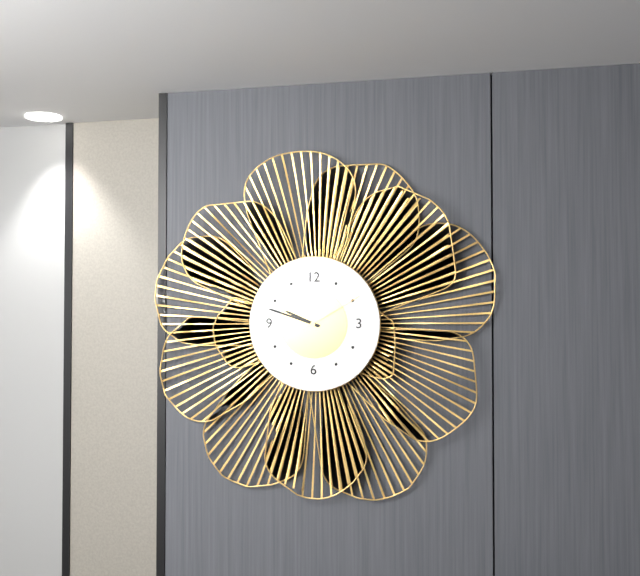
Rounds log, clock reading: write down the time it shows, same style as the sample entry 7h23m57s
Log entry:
9h48m10s
